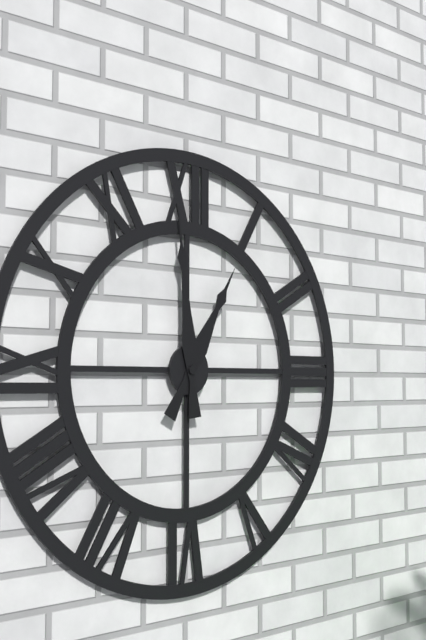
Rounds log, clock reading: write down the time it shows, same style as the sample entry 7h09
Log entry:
12h59
